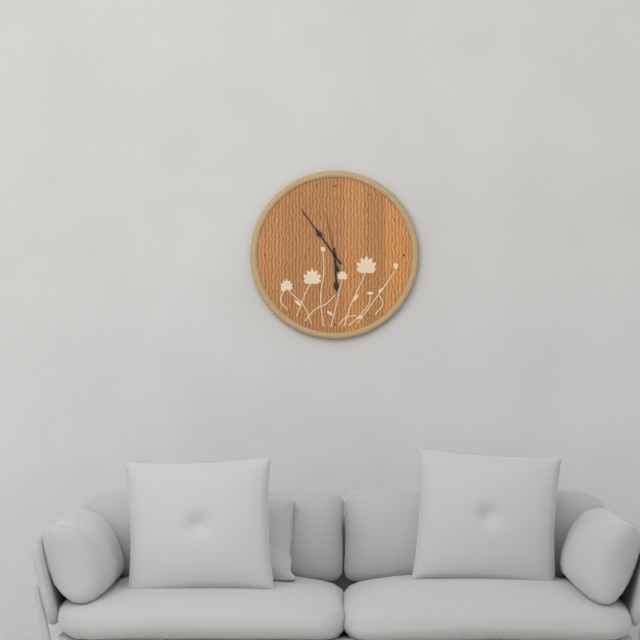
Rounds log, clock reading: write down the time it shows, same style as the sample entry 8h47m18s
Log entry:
5h54m58s
